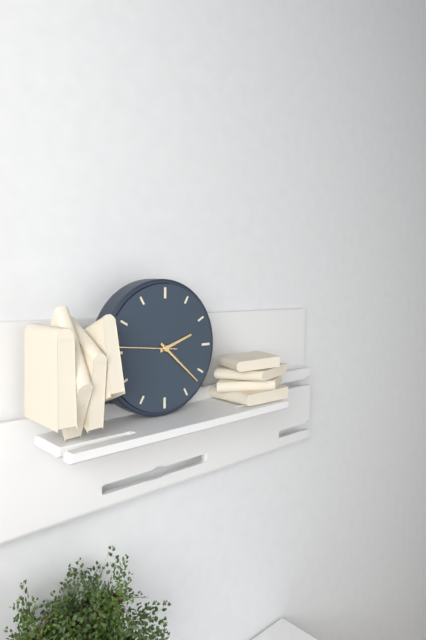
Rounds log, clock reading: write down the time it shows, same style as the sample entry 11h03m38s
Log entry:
2h22m46s
